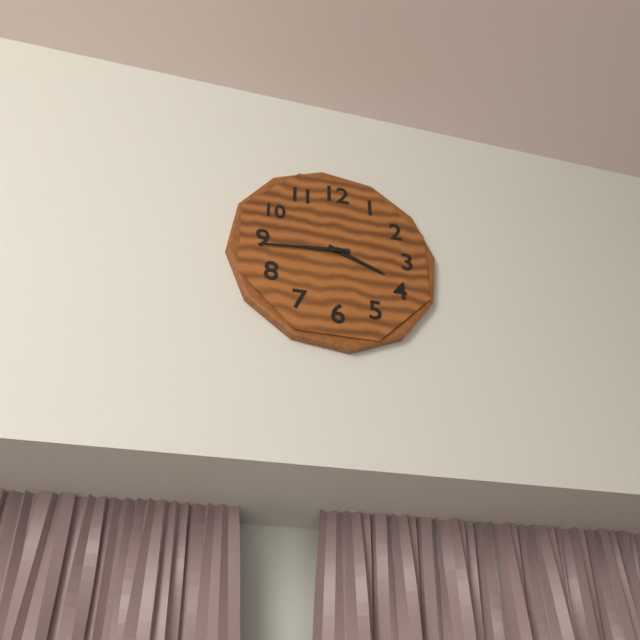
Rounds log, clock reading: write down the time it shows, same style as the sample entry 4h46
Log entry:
3h44
